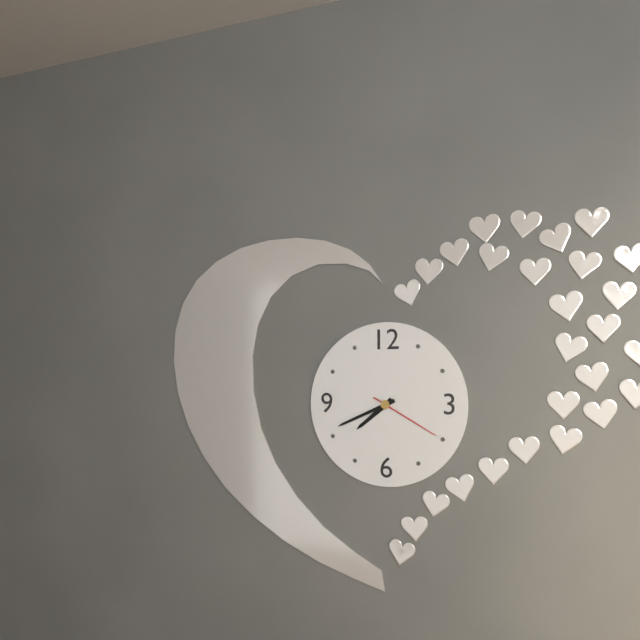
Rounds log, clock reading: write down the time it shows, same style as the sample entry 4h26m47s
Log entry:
7h41m20s
